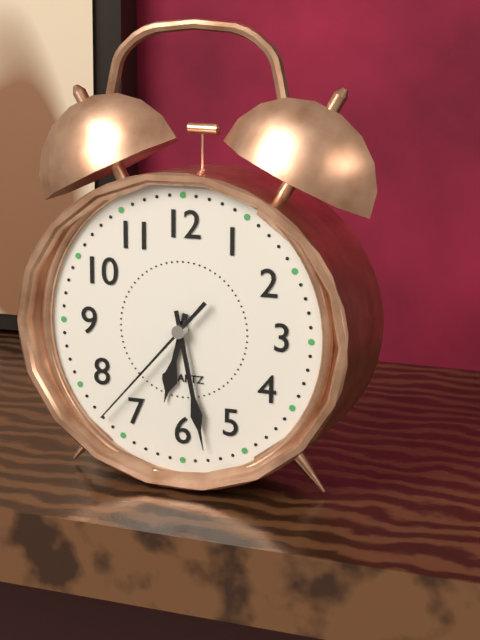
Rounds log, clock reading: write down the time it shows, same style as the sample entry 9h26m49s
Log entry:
6h28m37s
